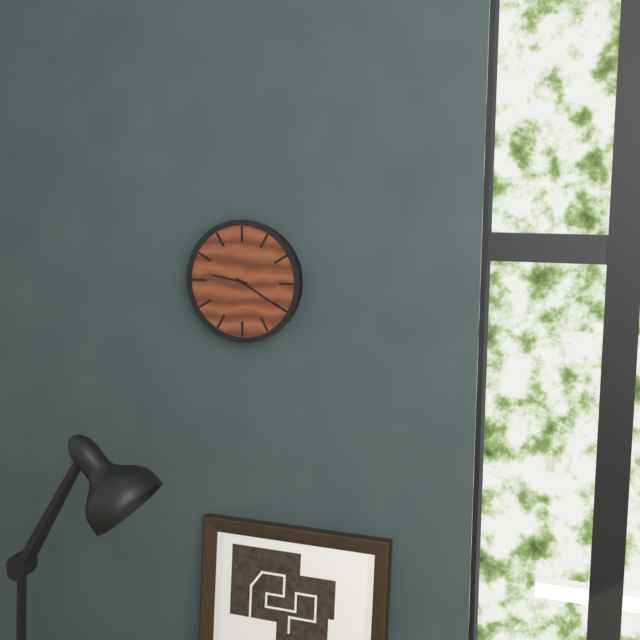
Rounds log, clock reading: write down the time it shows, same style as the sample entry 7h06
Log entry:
9h20
